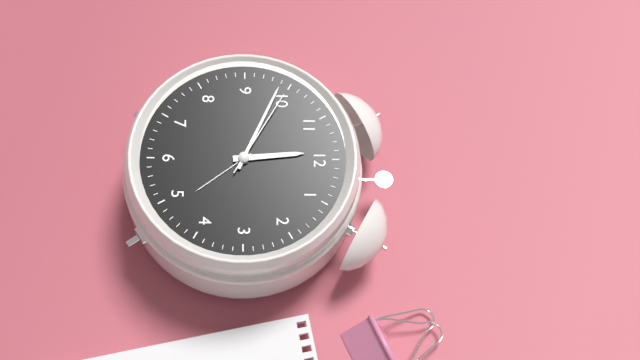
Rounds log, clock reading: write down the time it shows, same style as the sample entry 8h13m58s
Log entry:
11h49m50s
